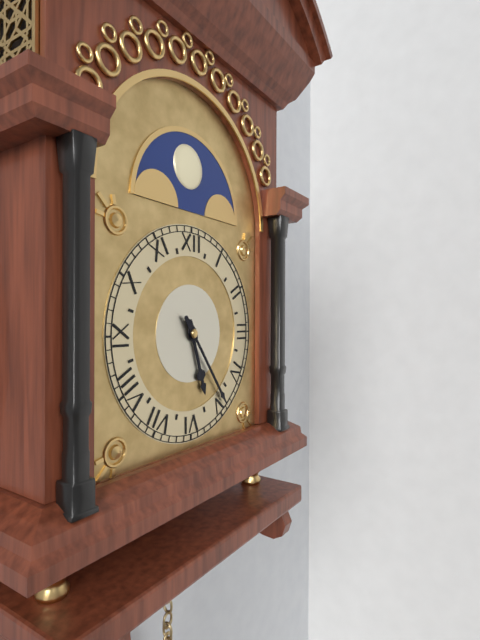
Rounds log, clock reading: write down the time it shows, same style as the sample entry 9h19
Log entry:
5h24
